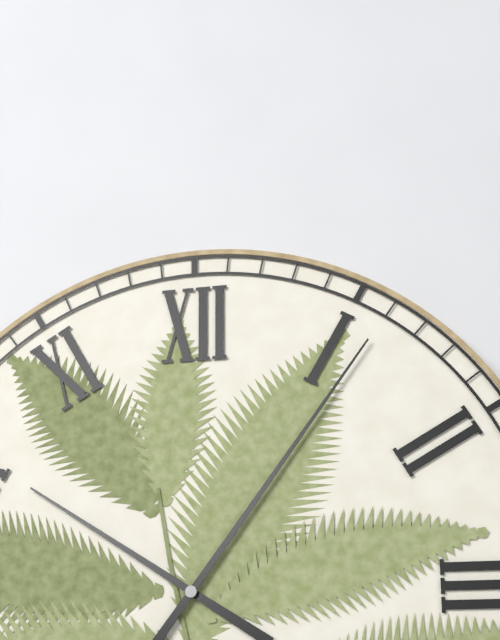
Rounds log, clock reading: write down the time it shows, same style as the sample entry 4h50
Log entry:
10h06
